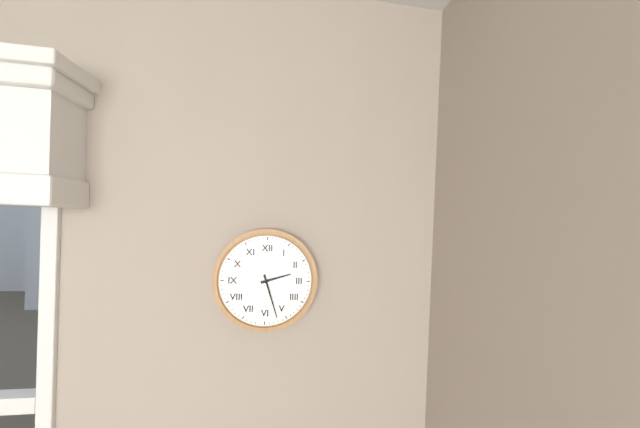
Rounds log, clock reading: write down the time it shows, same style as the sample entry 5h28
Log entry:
2h27
